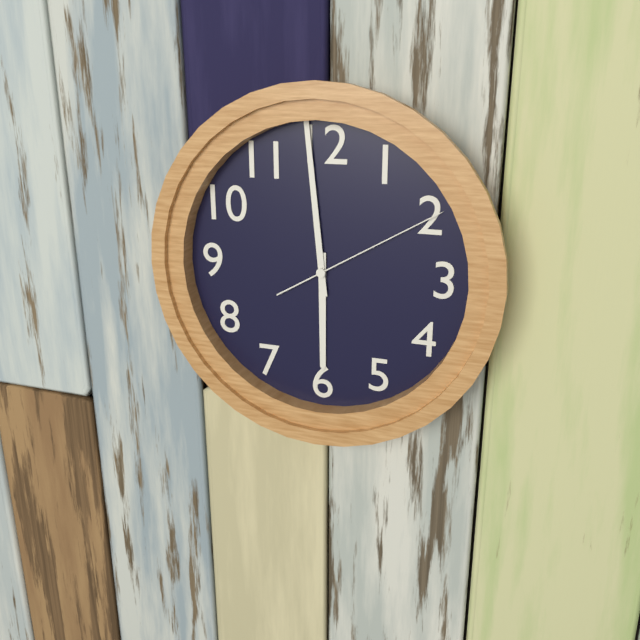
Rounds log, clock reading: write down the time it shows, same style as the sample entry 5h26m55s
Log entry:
5h59m10s
